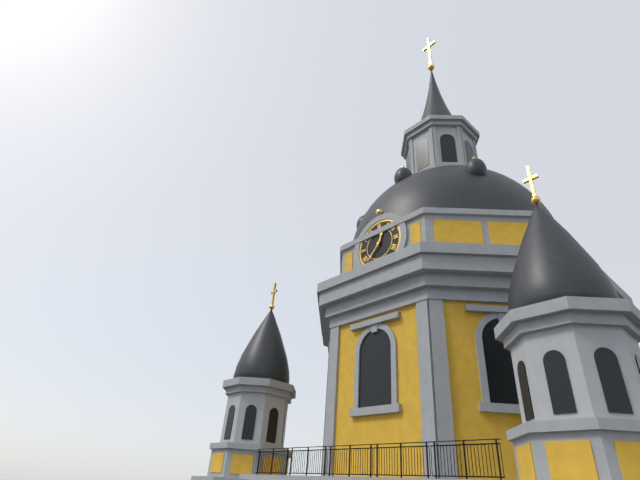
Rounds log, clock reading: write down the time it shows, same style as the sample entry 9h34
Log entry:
12h37
